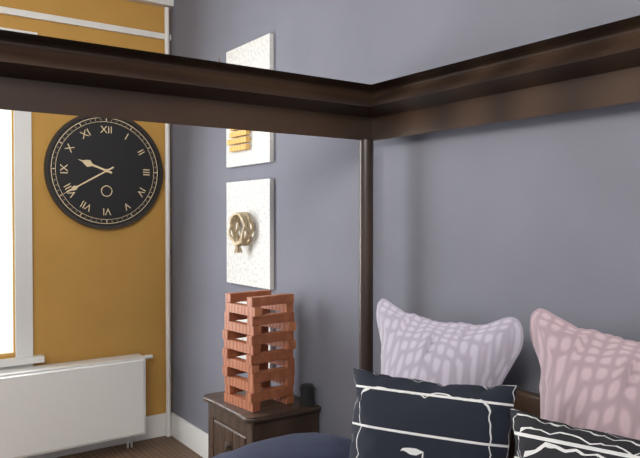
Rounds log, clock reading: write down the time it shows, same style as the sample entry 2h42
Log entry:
9h40
